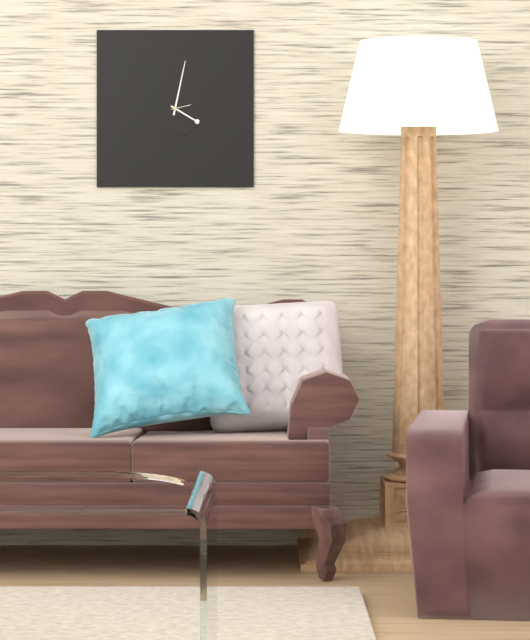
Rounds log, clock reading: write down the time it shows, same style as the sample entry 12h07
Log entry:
4h02
